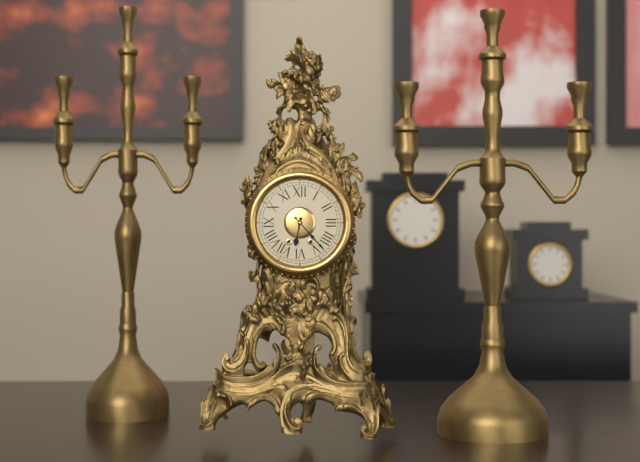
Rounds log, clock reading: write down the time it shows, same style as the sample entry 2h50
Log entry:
6h23
